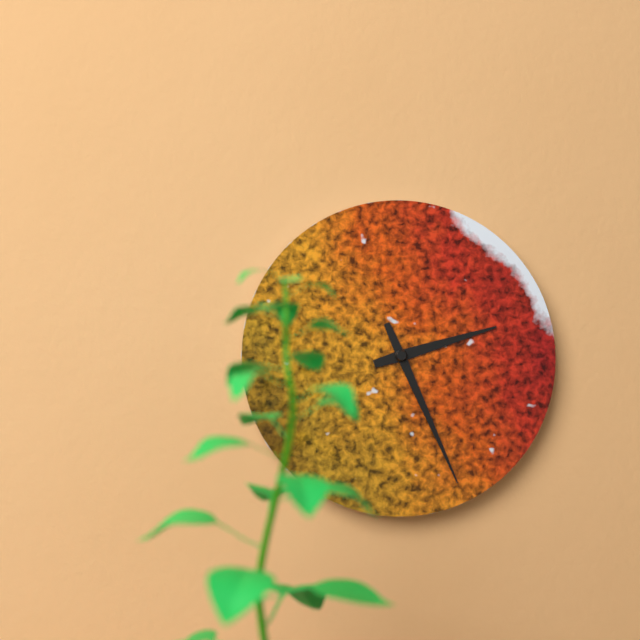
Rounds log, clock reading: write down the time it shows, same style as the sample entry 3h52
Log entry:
2h26
